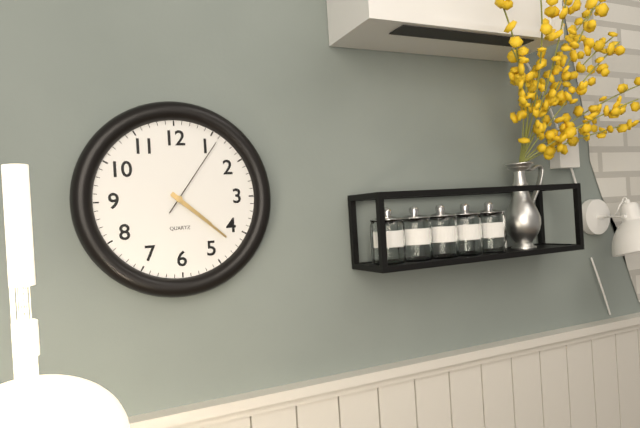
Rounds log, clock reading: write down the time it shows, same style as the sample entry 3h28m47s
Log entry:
4h22m06s
